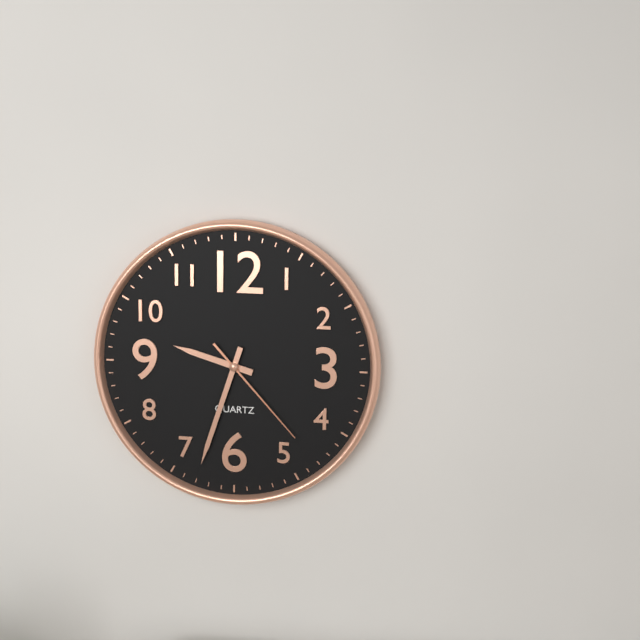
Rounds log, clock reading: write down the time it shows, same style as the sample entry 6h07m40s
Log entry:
9h33m23s
